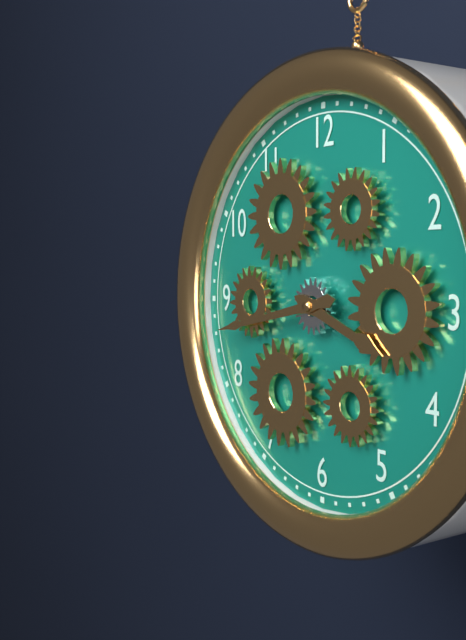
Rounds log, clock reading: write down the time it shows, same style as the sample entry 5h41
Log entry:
3h43
